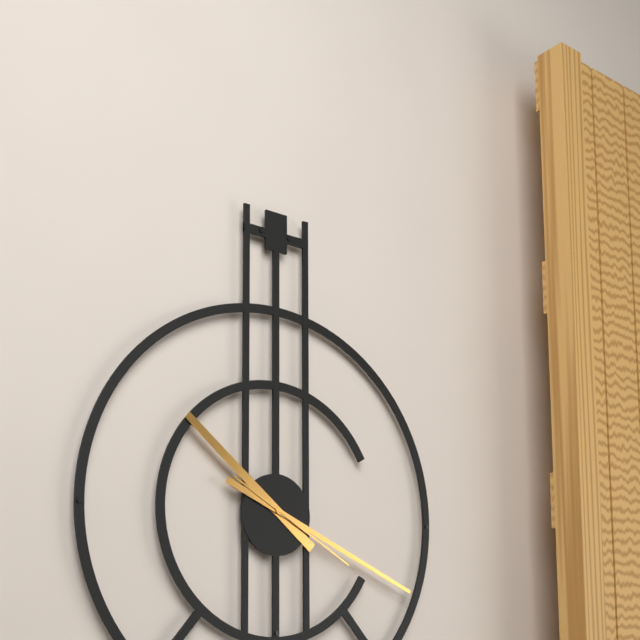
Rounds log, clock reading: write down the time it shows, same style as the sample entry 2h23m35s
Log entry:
10h19m20s
